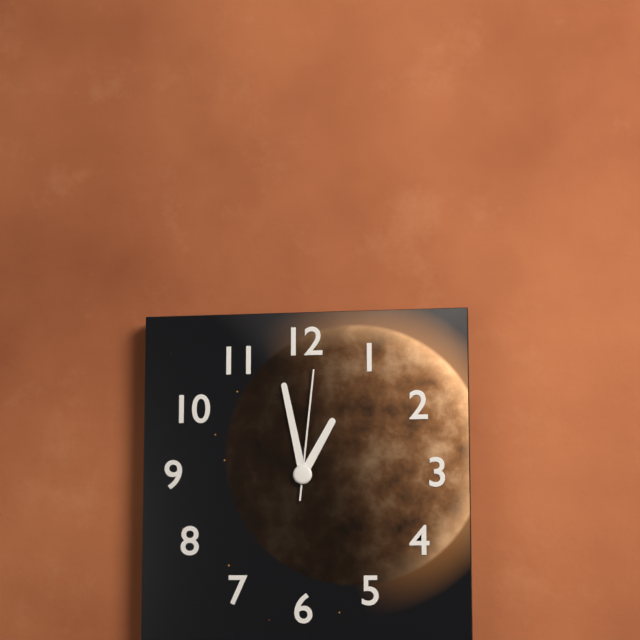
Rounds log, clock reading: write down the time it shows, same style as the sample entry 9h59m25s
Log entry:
12h58m01s
